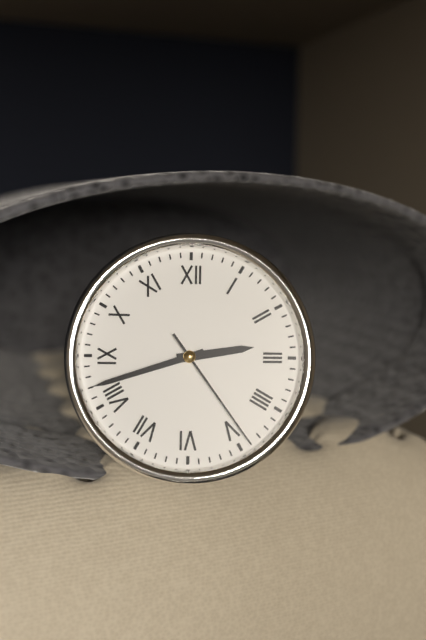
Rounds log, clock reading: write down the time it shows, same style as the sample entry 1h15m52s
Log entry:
2h42m24s
